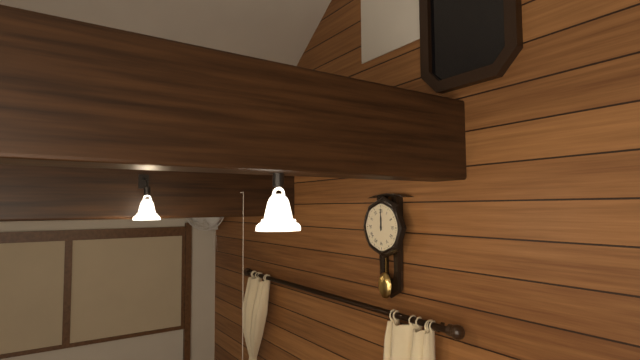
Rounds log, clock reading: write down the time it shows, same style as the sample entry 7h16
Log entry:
12h00
